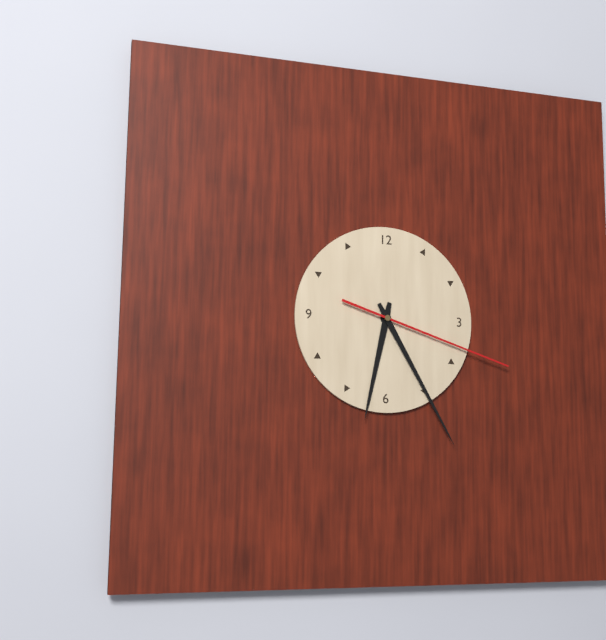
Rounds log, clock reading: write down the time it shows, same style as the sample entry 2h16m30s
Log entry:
6h25m18s
